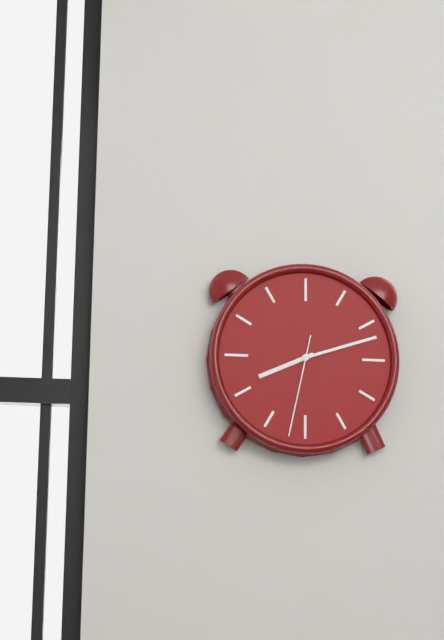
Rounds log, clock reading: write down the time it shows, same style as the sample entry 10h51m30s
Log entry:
8h12m32s
